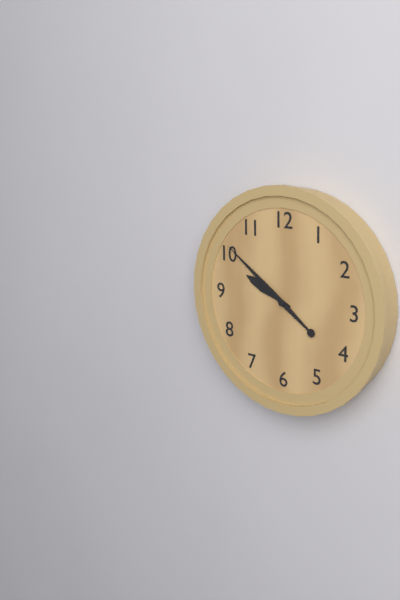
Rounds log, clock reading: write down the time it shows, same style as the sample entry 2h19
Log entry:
9h51
